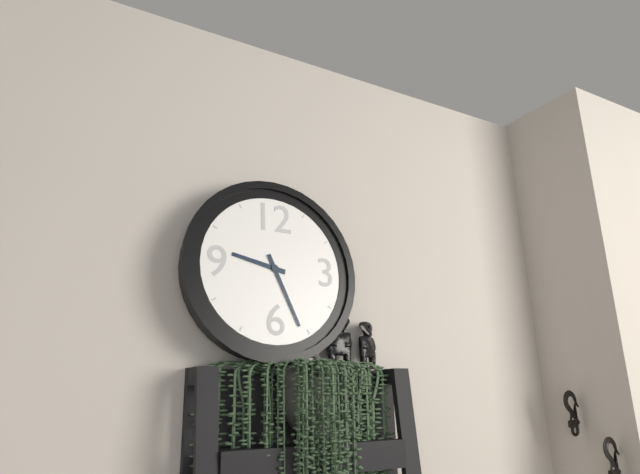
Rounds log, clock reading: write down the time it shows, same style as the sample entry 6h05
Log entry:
9h26
